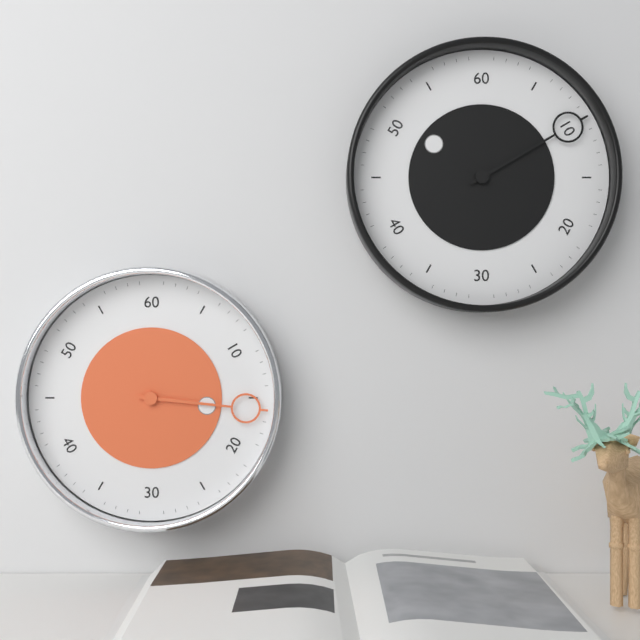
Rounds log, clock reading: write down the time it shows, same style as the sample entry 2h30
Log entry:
3h16
